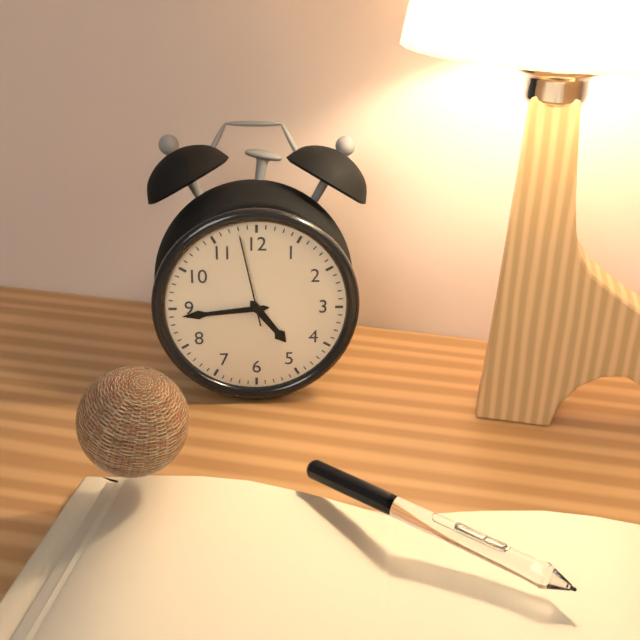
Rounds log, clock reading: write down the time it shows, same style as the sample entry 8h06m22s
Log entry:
4h44m58s
